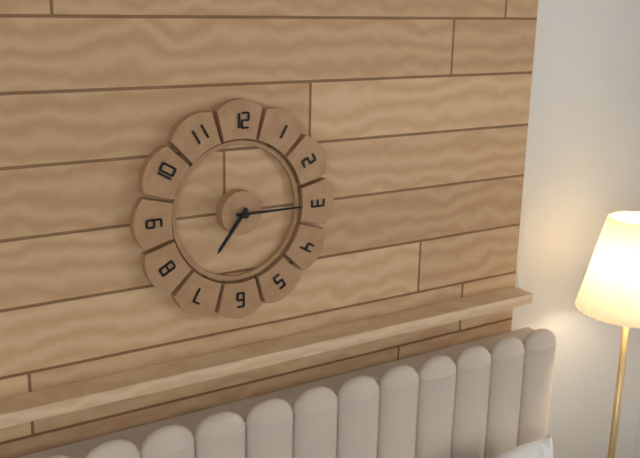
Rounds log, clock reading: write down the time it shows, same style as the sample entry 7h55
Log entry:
7h15
